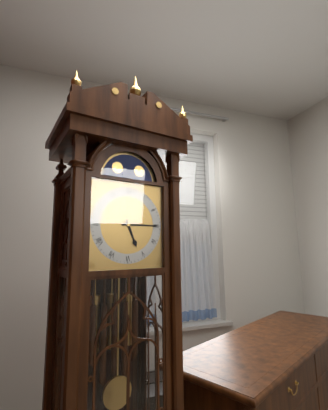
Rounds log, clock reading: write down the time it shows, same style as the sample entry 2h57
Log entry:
5h15
